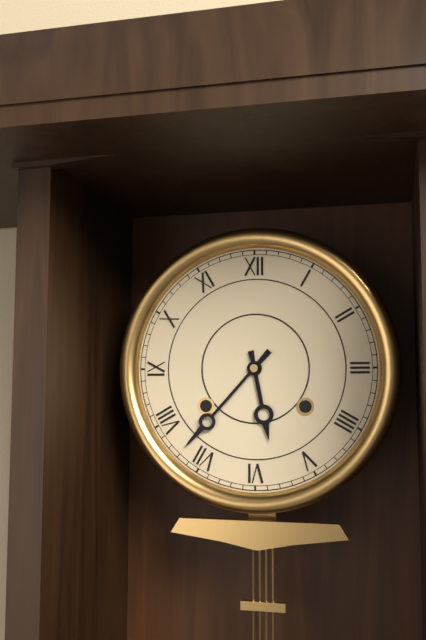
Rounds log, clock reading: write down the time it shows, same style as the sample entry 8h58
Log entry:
5h37
